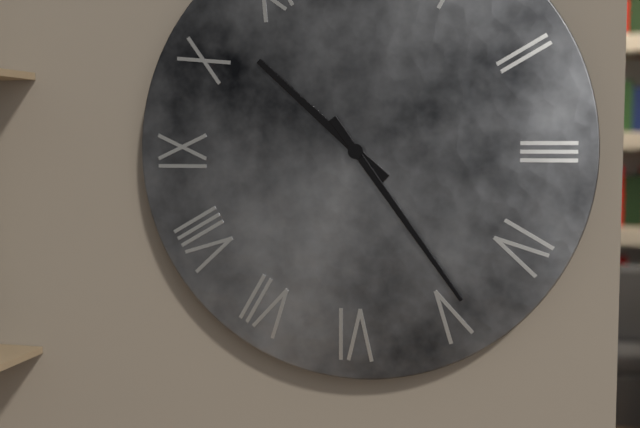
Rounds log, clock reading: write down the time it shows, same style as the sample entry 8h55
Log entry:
10h24
